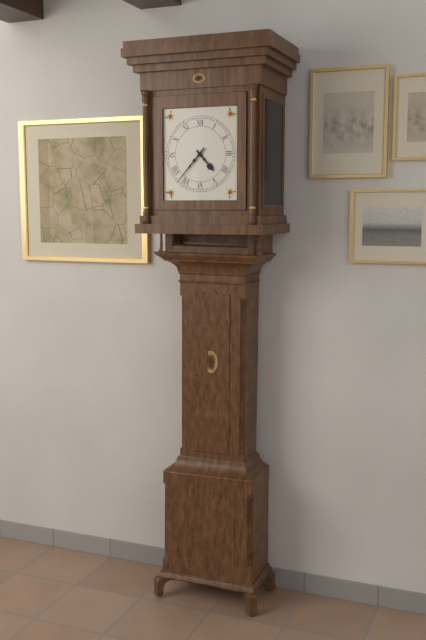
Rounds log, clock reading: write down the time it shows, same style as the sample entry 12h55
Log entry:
4h37
